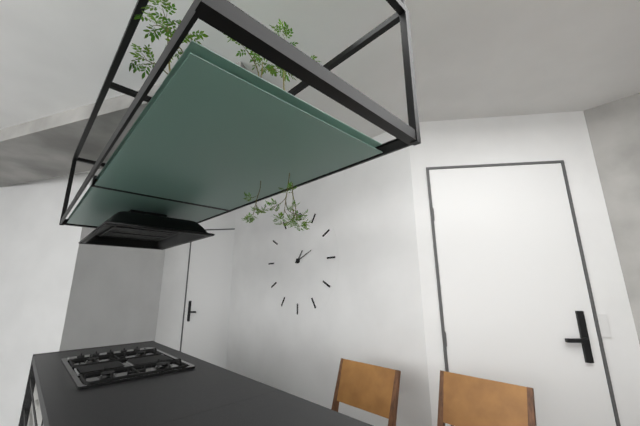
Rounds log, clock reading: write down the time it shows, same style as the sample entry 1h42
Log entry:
1h11
